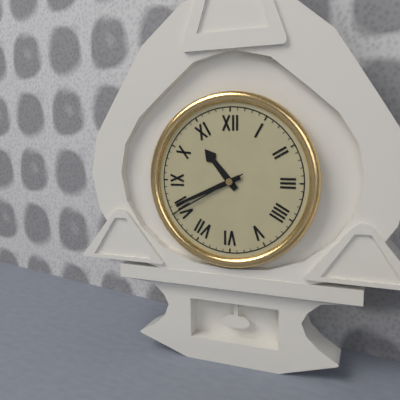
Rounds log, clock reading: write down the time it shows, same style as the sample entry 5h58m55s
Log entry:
10h41m40s
